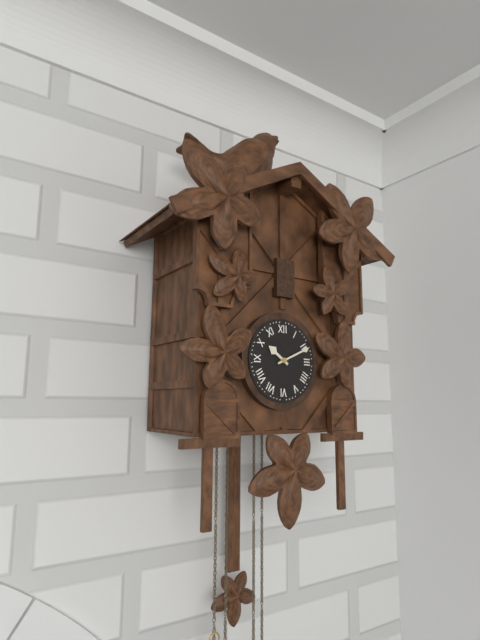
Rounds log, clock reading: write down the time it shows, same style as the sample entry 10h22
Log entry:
10h11
